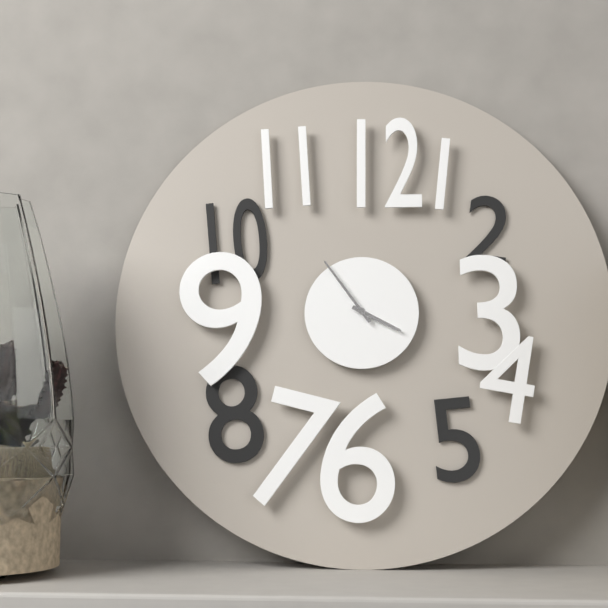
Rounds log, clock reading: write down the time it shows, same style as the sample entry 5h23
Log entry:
3h54
